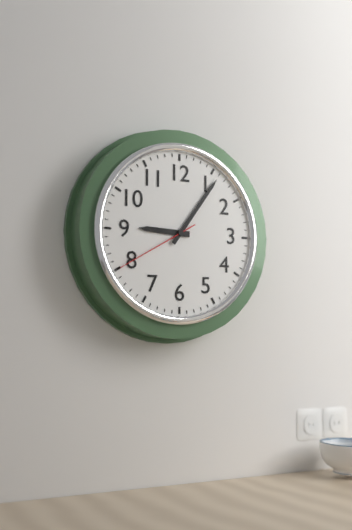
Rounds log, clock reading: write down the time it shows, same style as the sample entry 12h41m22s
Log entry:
9h06m40s
